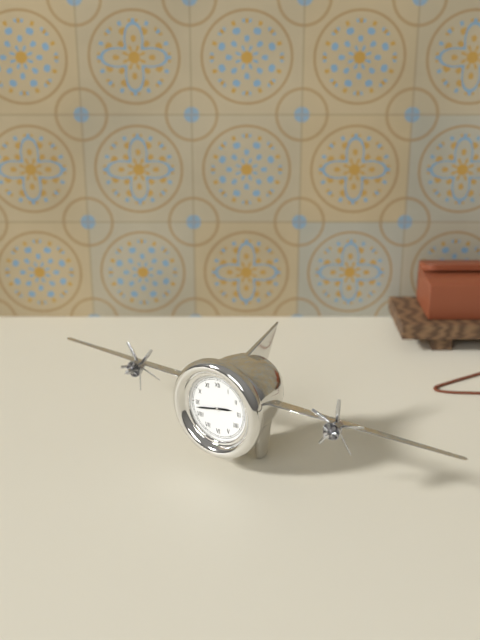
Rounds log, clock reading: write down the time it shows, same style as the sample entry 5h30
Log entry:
2h43
